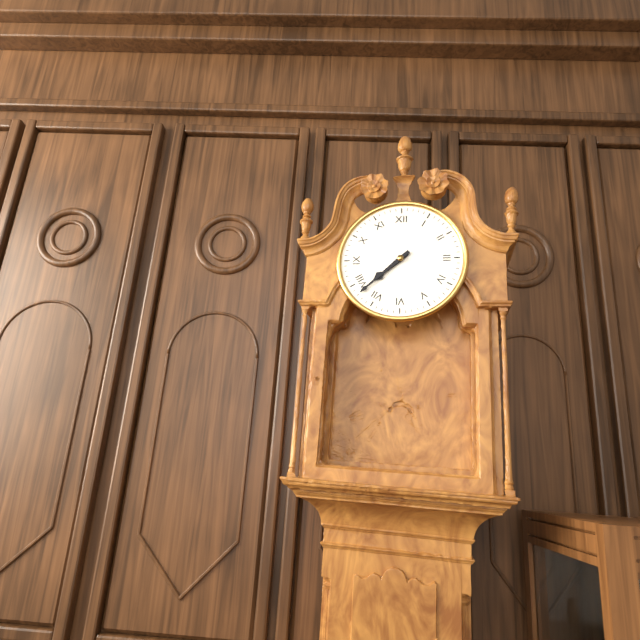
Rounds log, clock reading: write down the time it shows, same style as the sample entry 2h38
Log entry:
7h38
